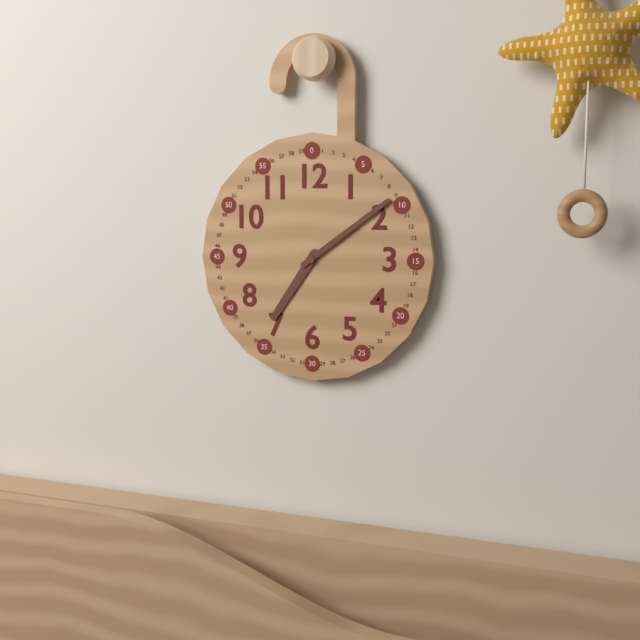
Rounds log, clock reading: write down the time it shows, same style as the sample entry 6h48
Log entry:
7h09
